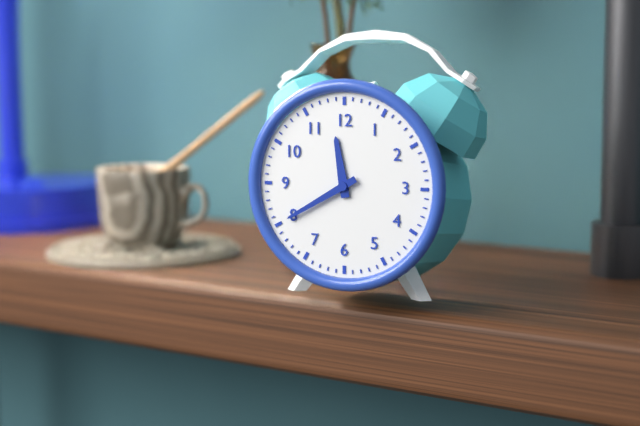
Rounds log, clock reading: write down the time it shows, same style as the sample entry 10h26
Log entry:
11h40
